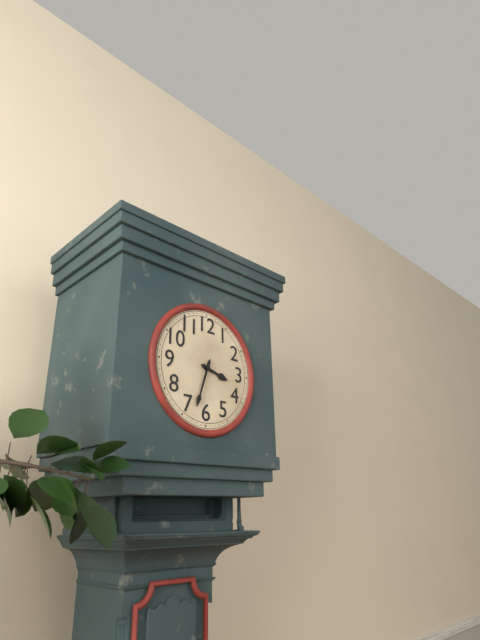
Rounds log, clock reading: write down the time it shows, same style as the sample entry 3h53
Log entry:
3h33
